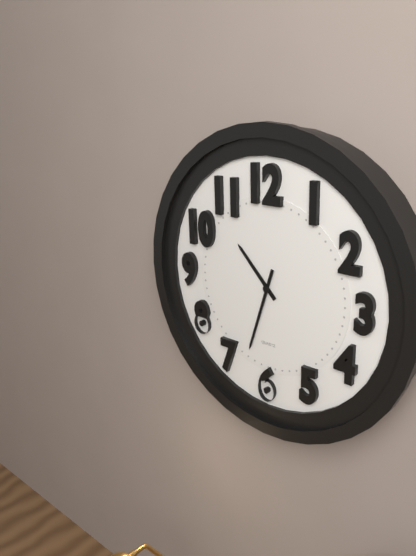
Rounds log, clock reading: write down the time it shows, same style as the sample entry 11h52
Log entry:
10h33
